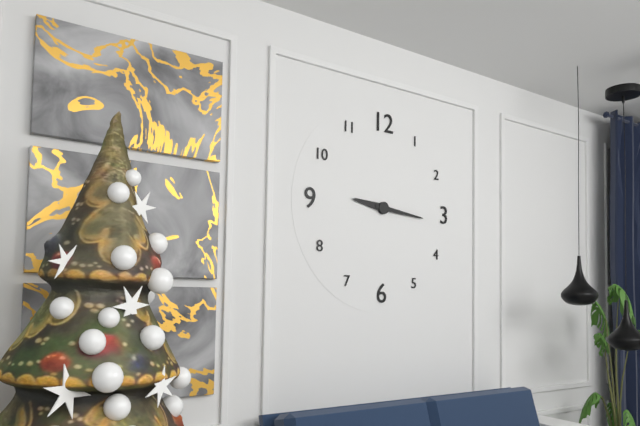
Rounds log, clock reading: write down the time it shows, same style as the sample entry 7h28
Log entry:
9h16
